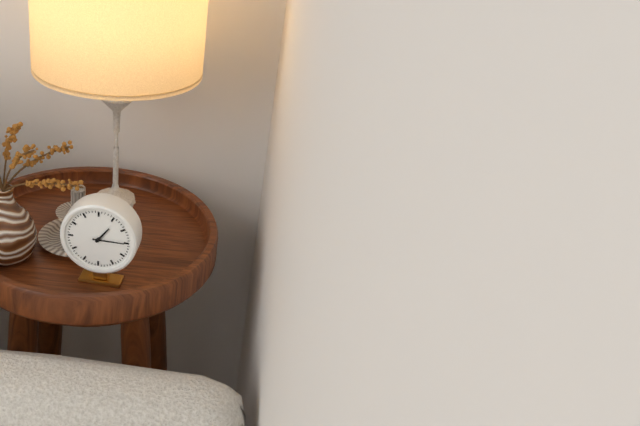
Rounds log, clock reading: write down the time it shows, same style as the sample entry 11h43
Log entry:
1h15
